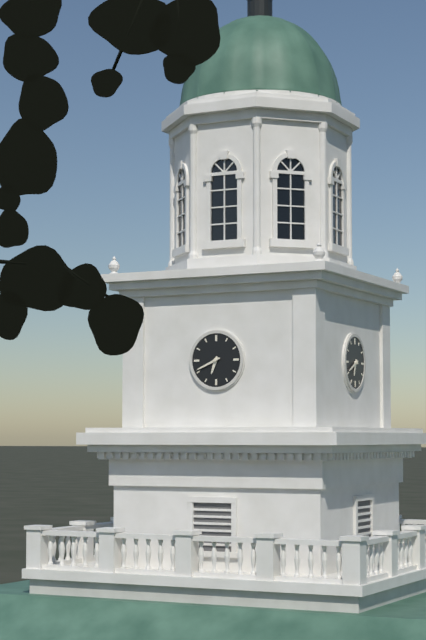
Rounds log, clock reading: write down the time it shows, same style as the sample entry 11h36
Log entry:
6h41
